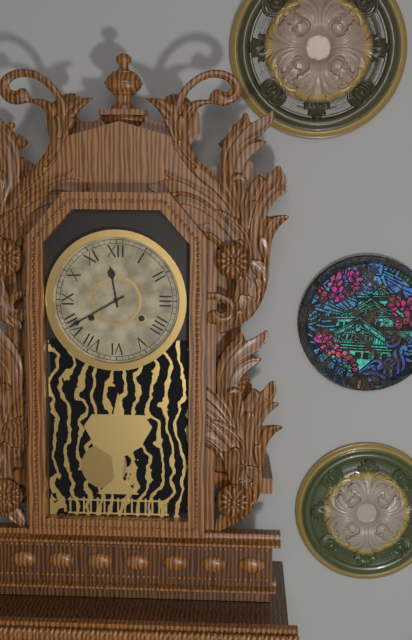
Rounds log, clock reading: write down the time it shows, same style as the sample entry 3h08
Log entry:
11h40
